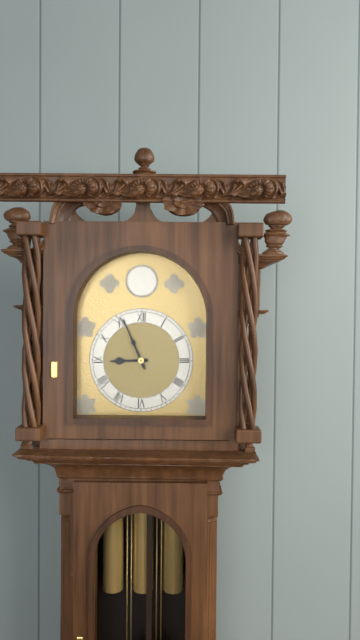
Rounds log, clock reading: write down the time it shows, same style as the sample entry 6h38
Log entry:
8h56
